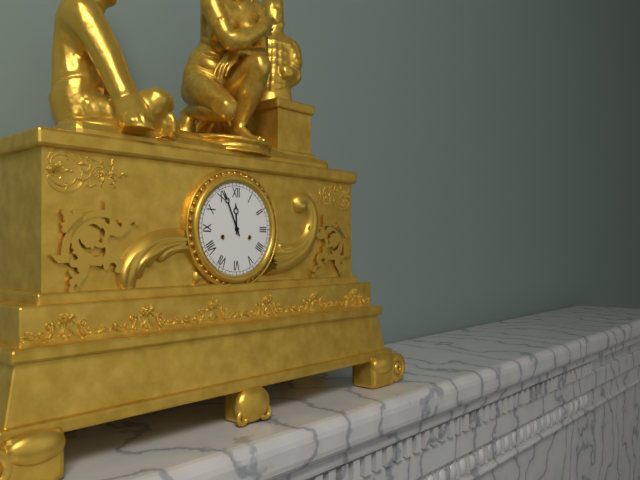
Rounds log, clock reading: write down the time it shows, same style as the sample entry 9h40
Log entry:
11h56
